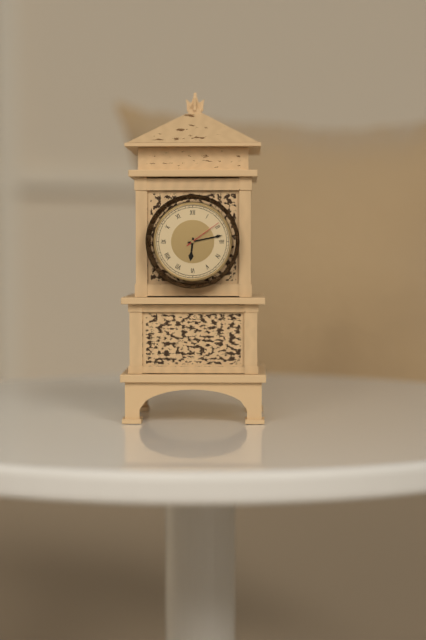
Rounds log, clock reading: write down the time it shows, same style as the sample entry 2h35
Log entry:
6h13
